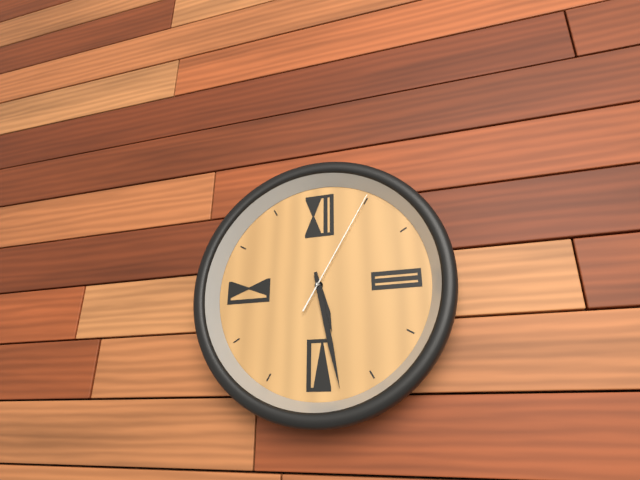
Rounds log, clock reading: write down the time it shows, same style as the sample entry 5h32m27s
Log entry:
5h28m05s
